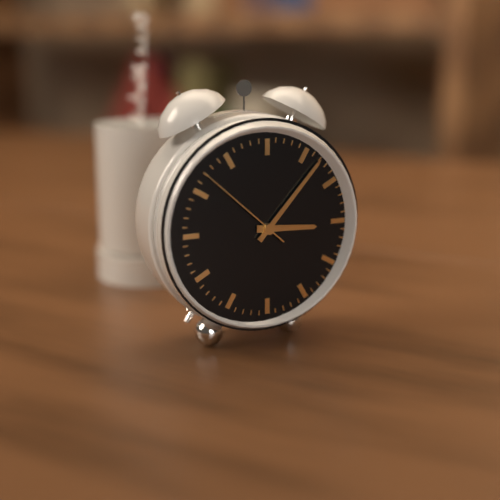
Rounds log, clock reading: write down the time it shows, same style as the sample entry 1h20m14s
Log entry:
3h07m52s
